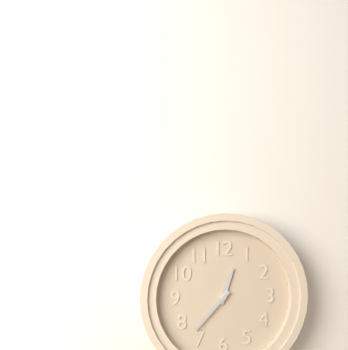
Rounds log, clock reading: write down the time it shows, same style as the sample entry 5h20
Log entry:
12h37
